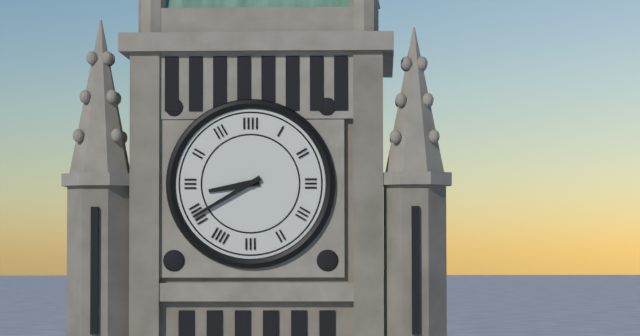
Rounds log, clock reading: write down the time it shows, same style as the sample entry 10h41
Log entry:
8h40
